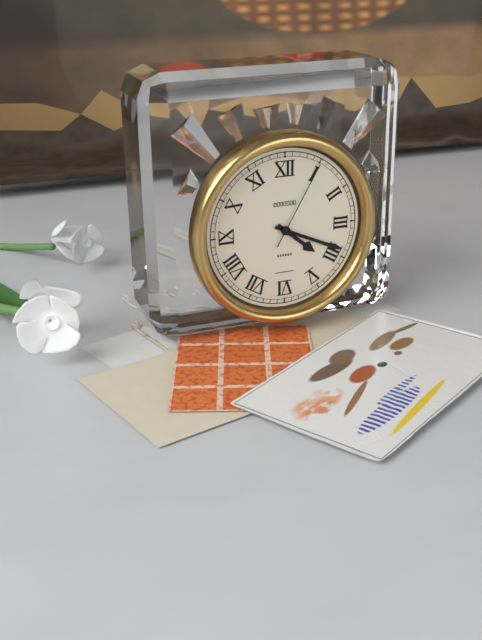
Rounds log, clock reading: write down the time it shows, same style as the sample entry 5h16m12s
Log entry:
4h19m05s
